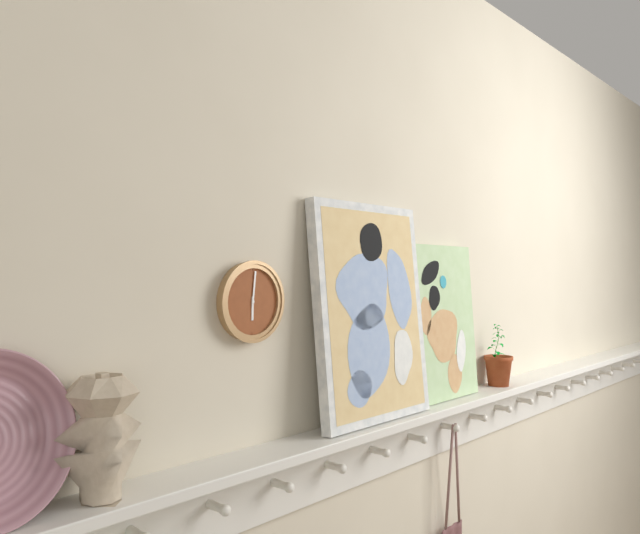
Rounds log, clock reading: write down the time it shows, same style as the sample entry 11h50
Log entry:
6h01
